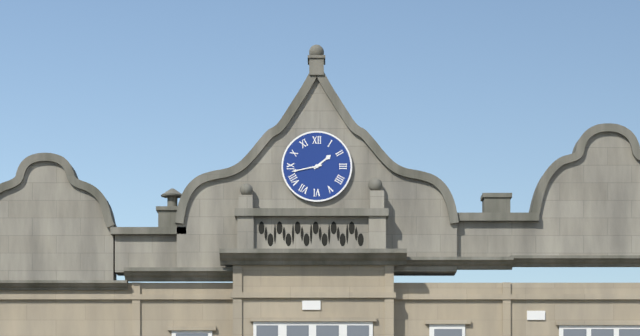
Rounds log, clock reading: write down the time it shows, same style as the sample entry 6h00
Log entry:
1h43
